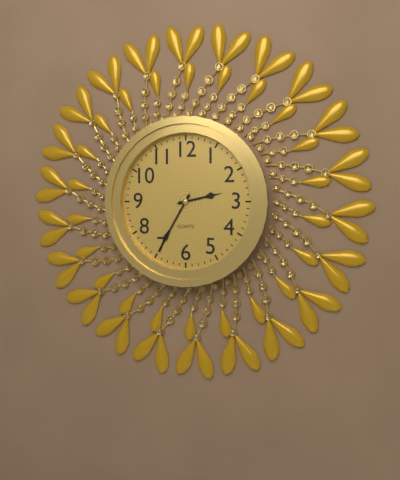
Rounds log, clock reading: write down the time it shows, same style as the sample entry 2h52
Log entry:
2h35
